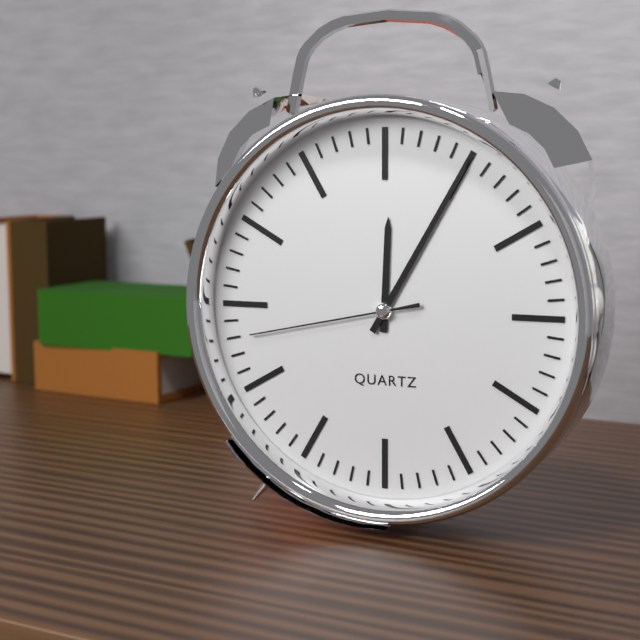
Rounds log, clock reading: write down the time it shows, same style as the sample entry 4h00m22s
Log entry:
12h05m43s
